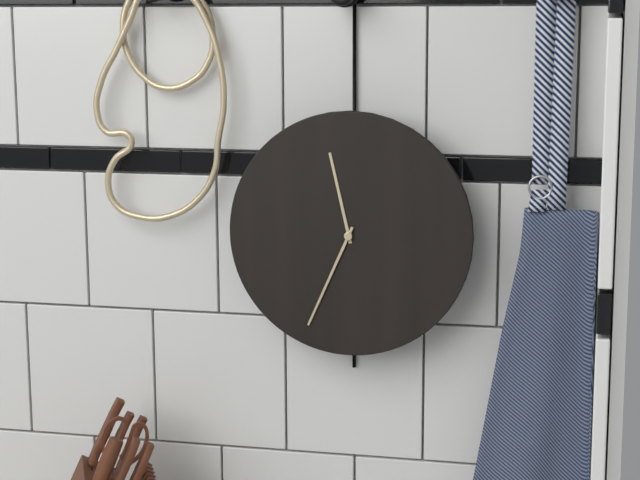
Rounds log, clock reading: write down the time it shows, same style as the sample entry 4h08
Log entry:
11h34
